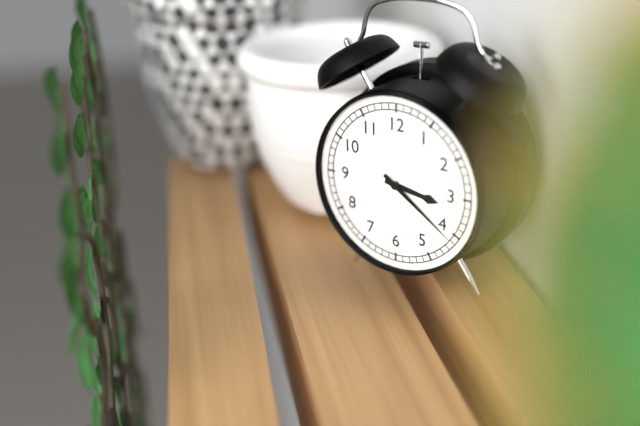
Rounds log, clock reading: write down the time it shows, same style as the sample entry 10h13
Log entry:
3h21
